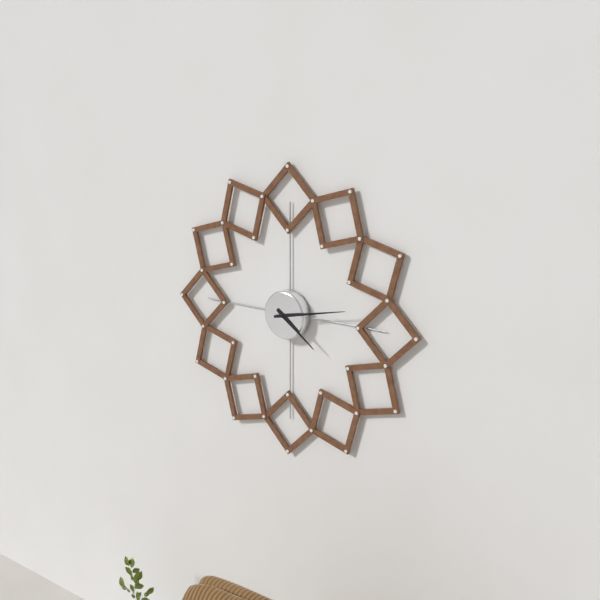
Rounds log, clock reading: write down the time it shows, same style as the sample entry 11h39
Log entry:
4h13
